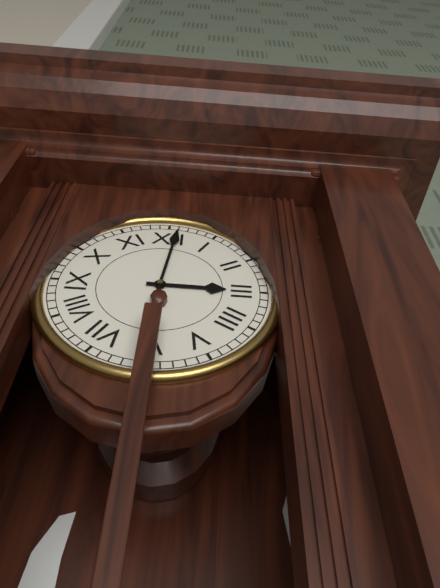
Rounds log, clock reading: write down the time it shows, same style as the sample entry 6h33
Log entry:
3h01
